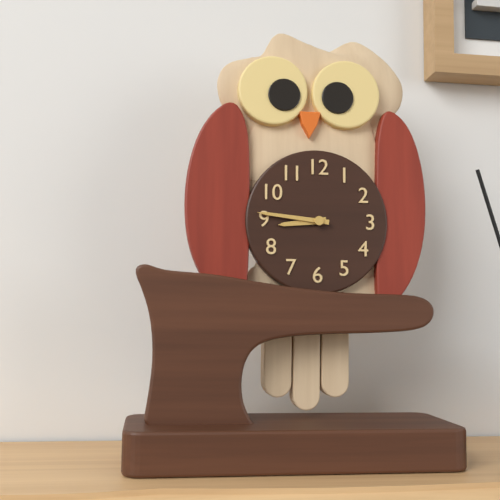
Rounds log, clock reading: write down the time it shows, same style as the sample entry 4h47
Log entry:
8h46
